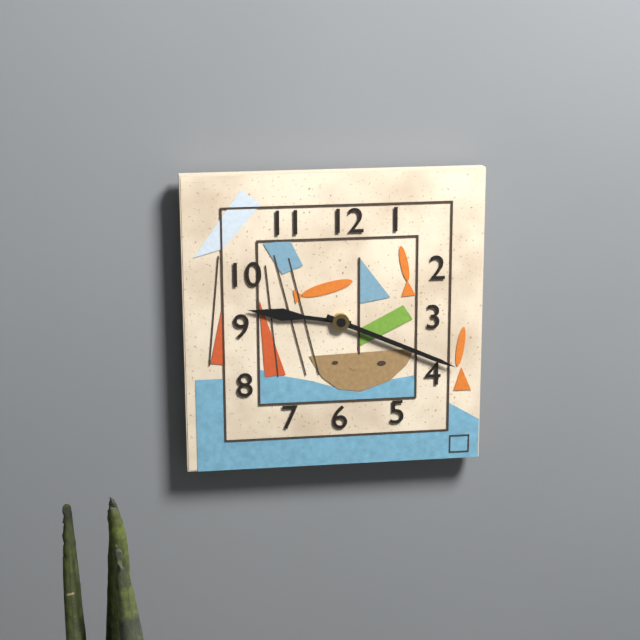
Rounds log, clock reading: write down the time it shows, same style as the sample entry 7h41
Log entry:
9h19
